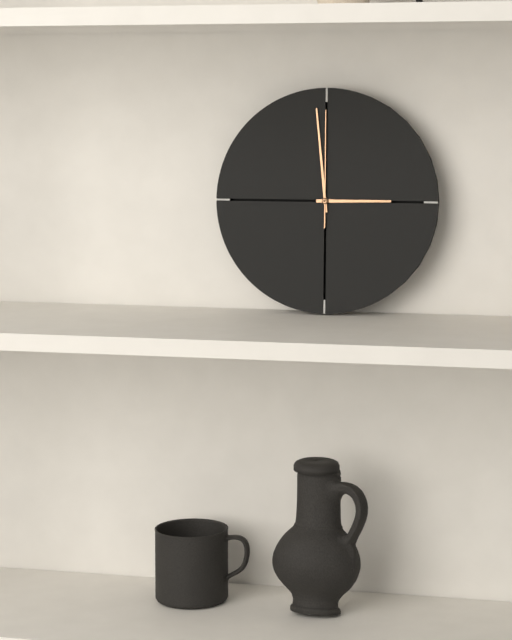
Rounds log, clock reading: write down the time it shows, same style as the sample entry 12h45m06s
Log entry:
2h59m00s
